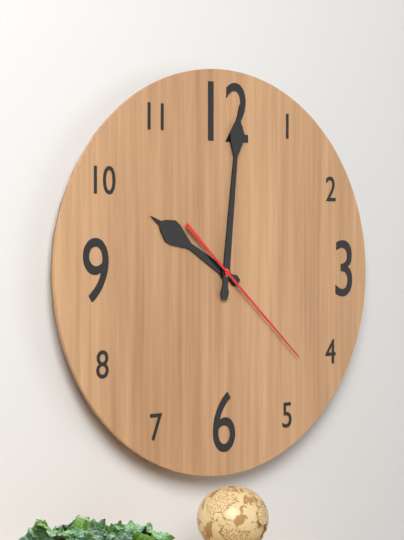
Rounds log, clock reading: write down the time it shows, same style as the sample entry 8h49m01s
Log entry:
10h01m22s
